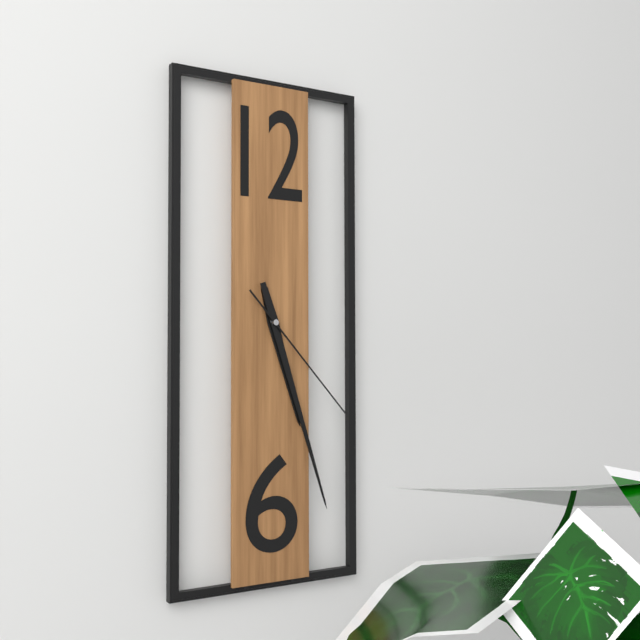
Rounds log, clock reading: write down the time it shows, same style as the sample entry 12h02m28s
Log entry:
5h27m23s
